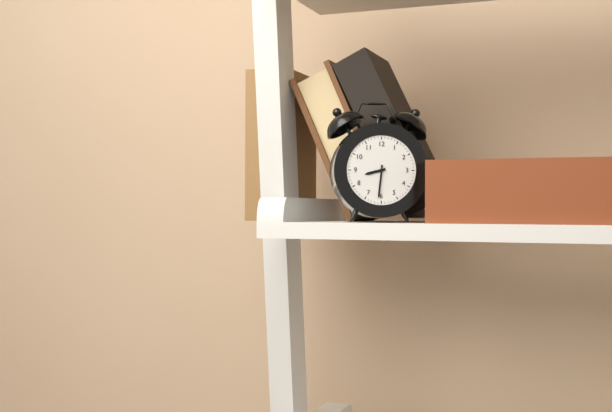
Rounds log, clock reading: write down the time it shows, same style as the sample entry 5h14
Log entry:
8h31
